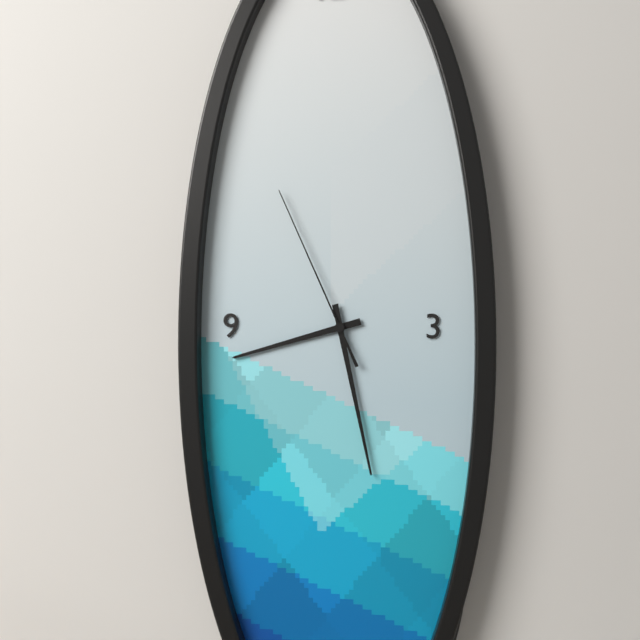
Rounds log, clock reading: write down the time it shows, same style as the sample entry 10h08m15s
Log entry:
8h28m56s
